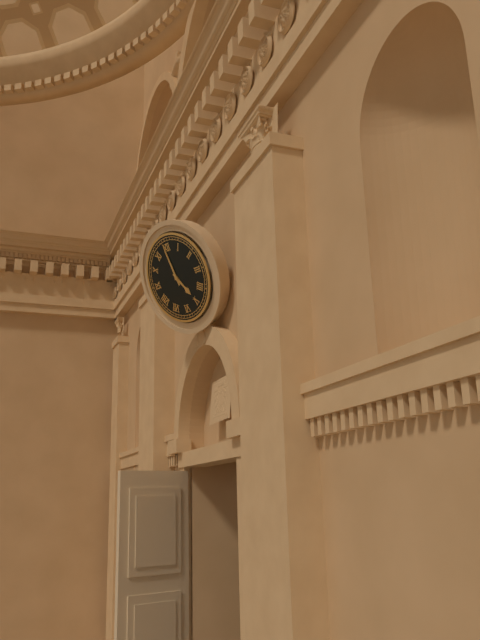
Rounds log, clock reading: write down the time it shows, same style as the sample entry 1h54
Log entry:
4h59
